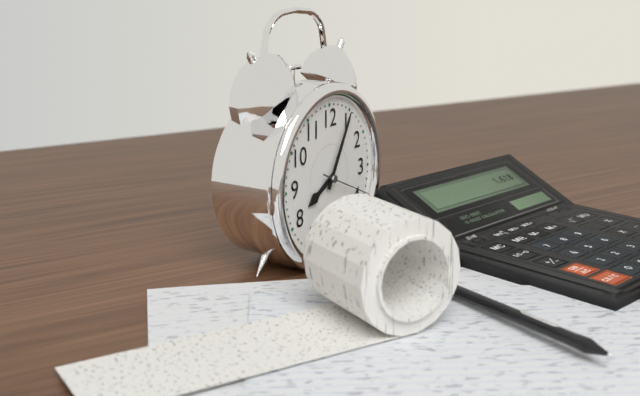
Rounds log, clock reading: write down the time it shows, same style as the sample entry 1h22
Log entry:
8h05
